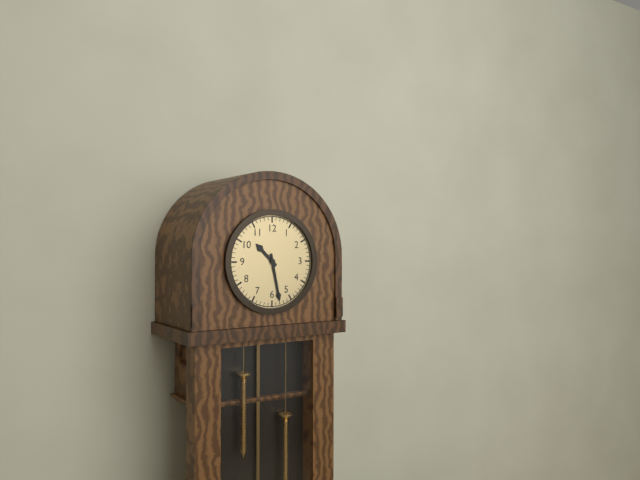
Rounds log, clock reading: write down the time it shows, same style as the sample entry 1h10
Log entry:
10h28
